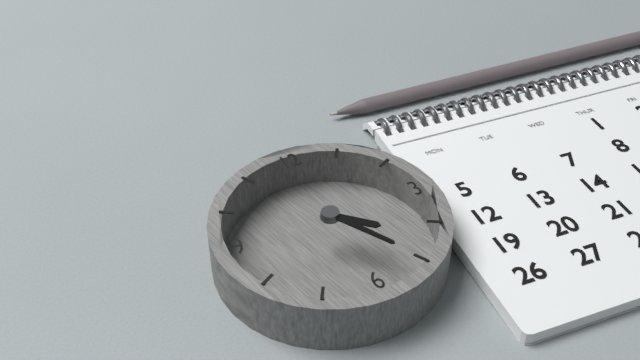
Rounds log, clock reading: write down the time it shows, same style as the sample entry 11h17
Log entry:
4h25
